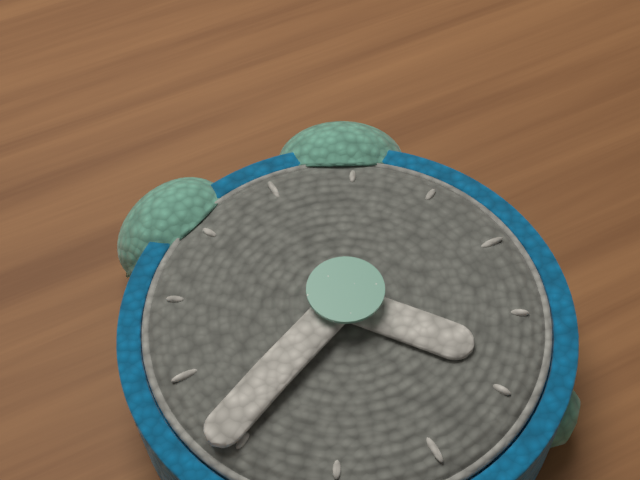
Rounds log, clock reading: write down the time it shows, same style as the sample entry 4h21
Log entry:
4h41
